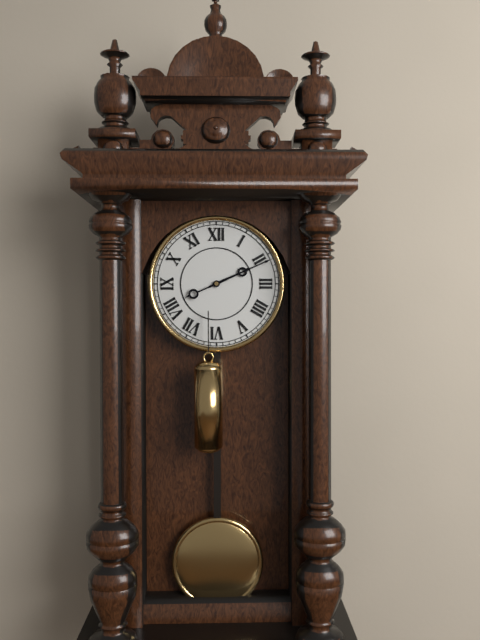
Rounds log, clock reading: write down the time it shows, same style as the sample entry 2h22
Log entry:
2h11
